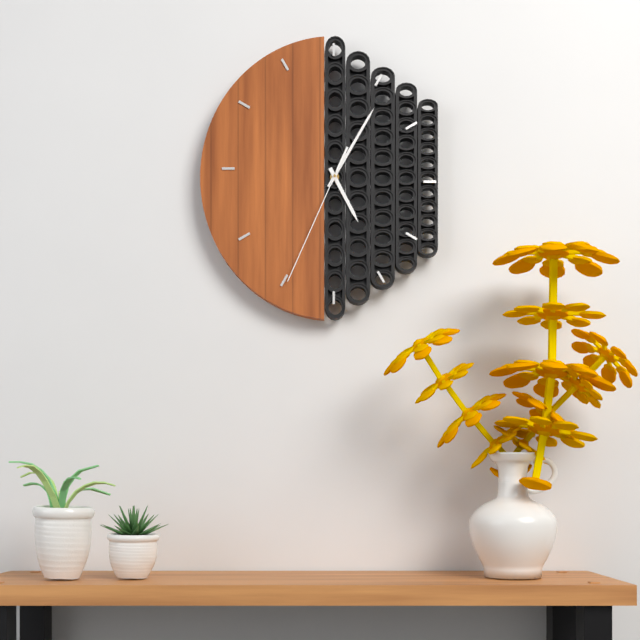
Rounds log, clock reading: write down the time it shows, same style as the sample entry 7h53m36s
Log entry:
5h05m34s
